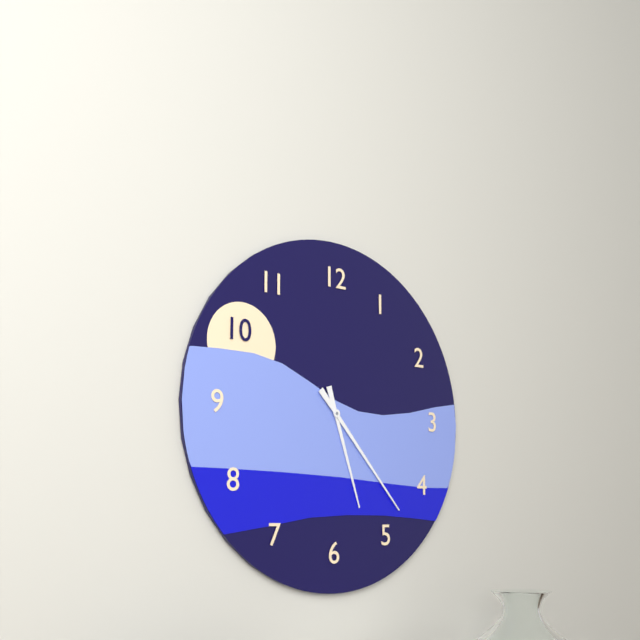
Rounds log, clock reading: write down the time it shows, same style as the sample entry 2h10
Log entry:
5h23
